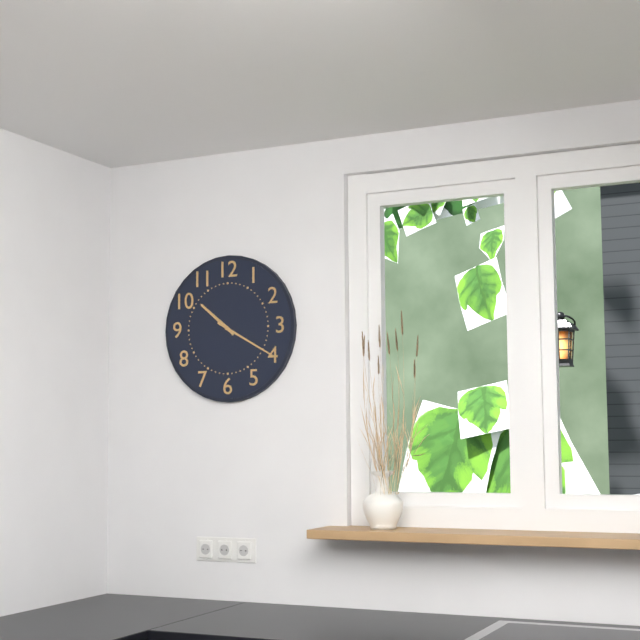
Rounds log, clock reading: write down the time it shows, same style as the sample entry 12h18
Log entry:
10h20
